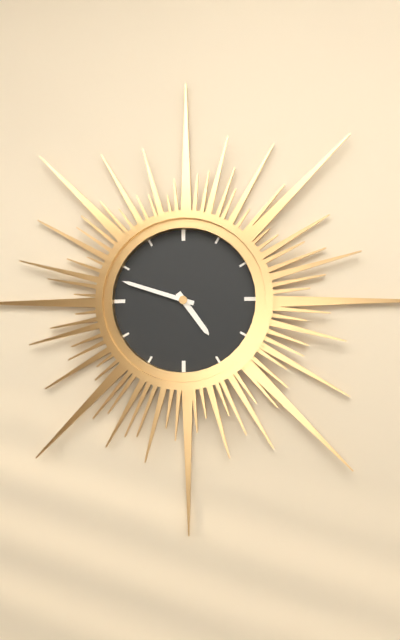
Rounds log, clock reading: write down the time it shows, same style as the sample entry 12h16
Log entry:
4h48
